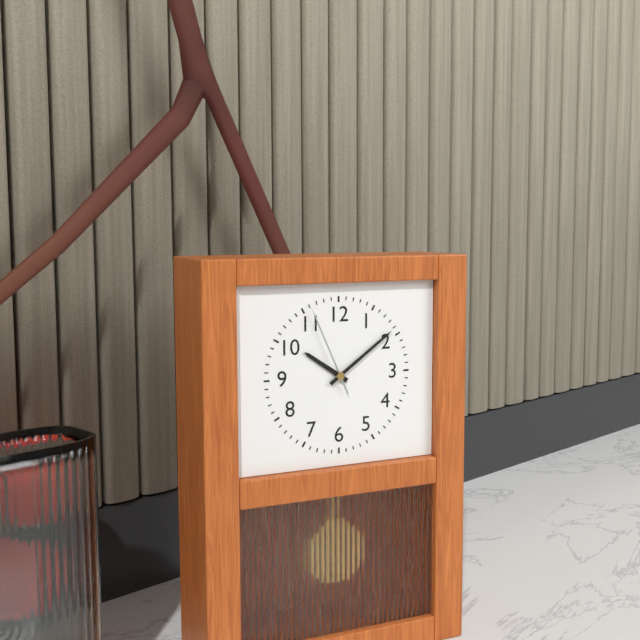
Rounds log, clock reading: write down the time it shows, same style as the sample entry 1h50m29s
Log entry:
10h09m56s
